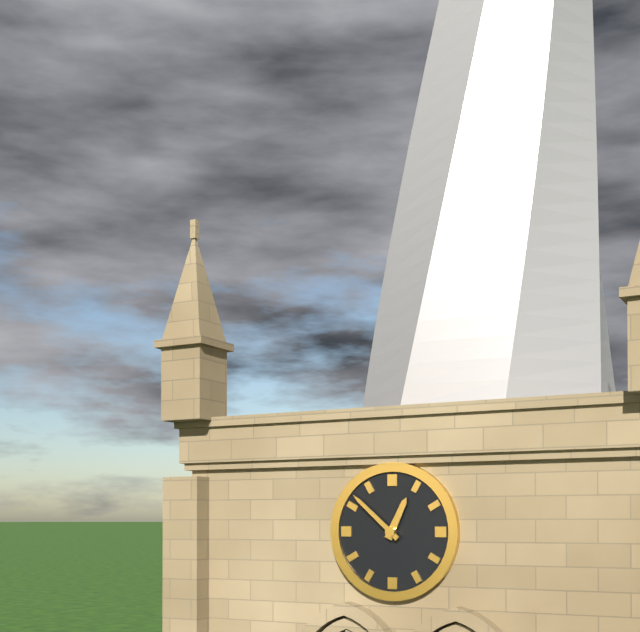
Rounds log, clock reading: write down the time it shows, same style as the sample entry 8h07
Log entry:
12h52
